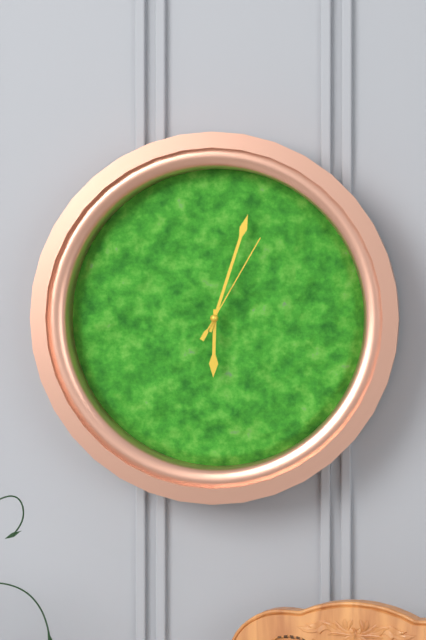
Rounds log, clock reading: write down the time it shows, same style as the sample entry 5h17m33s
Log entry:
6h03m05s
